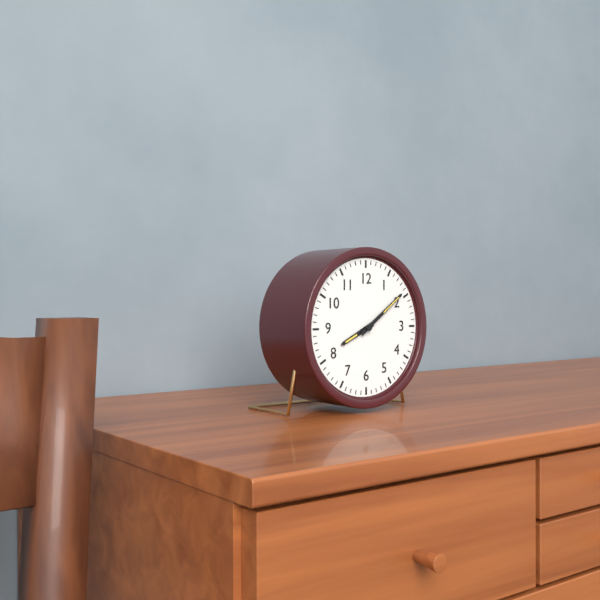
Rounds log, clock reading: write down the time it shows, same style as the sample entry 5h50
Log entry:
8h09
